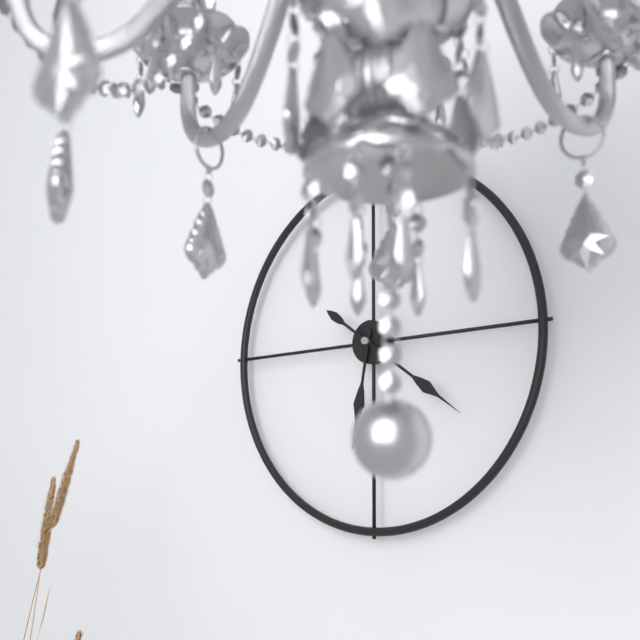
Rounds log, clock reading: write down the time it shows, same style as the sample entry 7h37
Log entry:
6h21
